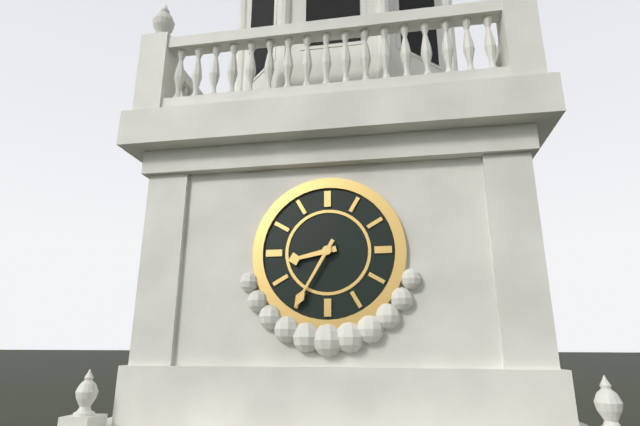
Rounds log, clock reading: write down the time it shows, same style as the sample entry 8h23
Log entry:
8h35
